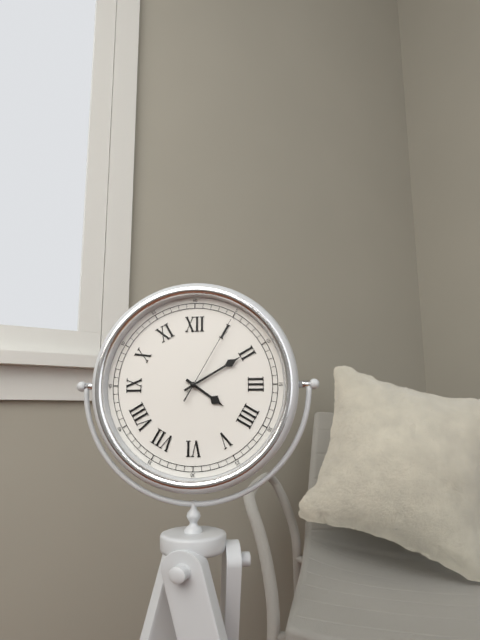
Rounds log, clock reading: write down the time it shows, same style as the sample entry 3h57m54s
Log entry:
4h10m05s
